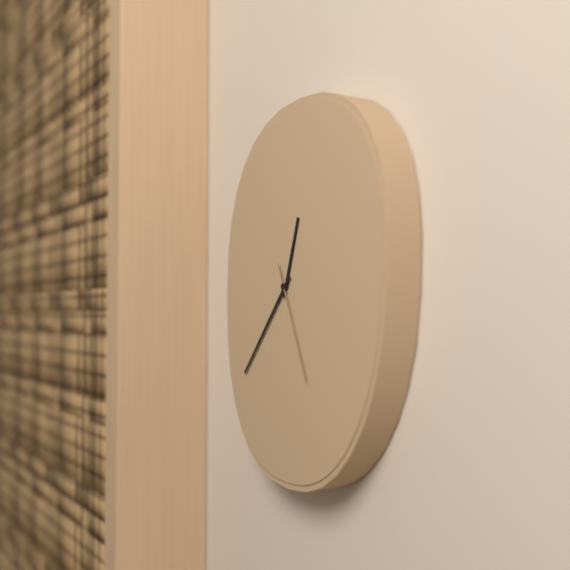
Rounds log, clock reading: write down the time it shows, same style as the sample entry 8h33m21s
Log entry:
12h37m26s
